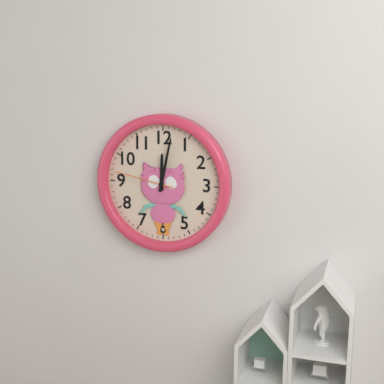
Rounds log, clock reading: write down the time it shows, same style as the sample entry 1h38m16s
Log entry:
12h02m47s
